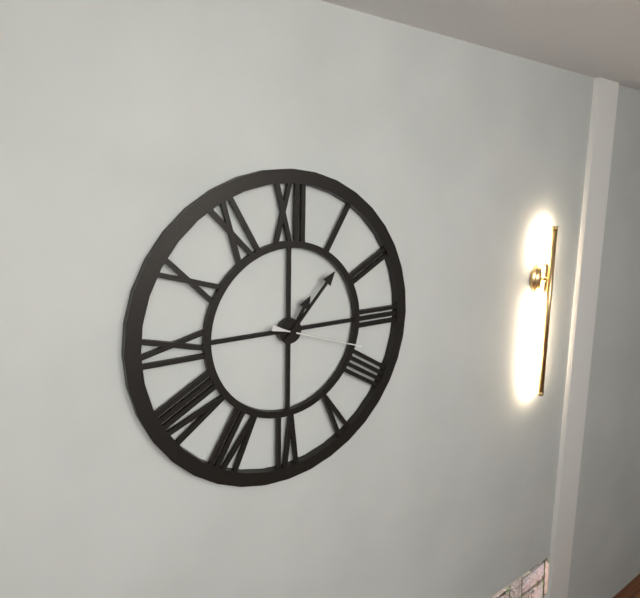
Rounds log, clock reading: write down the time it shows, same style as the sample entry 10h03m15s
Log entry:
1h07m18s
